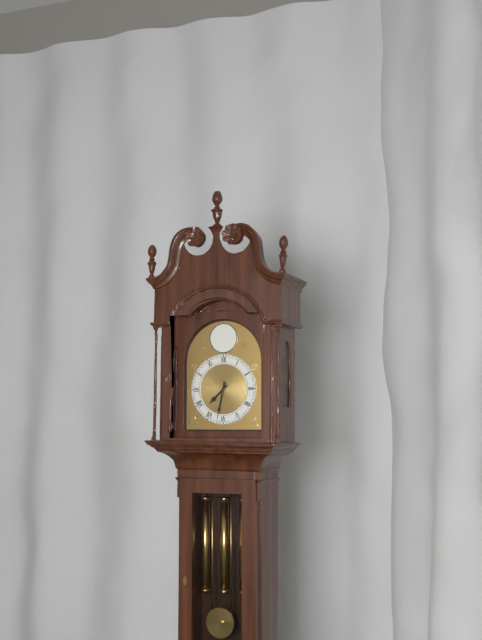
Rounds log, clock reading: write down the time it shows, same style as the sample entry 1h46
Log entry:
7h32
